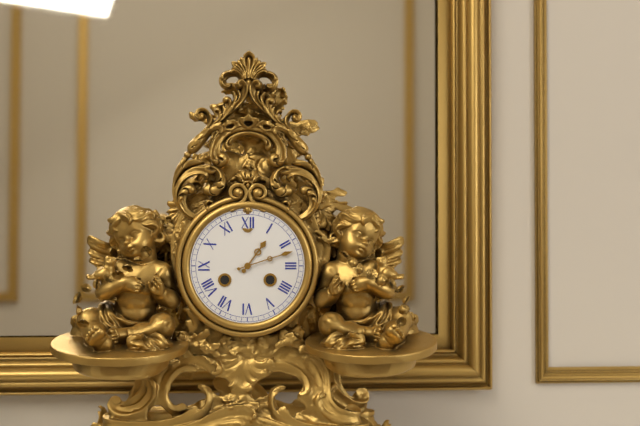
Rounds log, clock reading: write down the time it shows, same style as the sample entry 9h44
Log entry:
1h12
